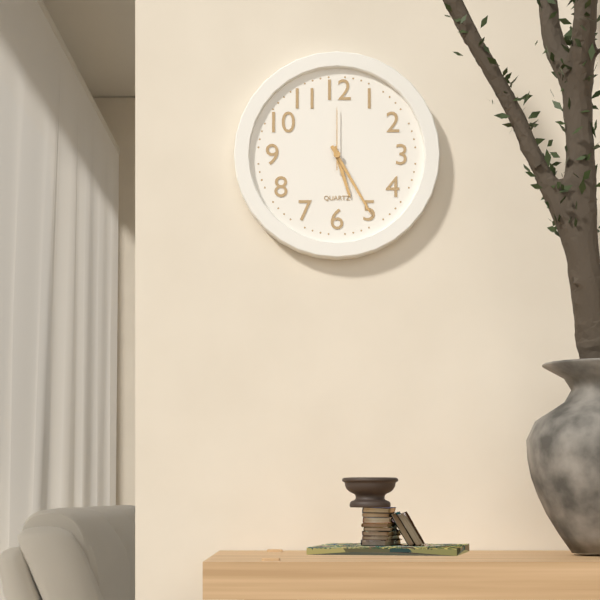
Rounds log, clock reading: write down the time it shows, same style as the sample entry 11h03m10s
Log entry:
5h25m00s
